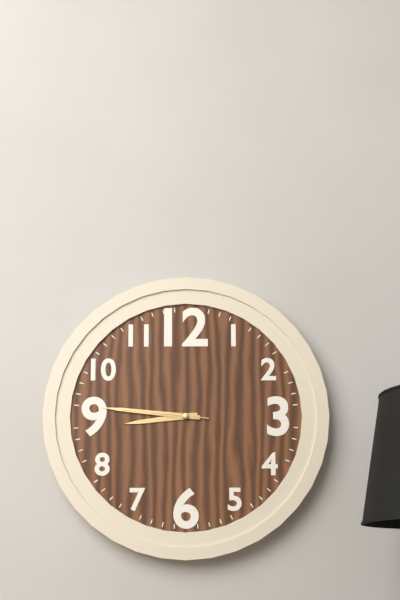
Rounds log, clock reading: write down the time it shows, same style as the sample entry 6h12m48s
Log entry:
8h46m46s
